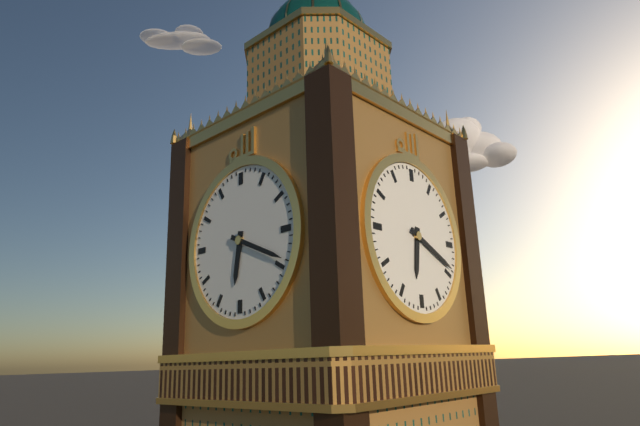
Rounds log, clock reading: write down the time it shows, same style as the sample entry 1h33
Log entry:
6h19
